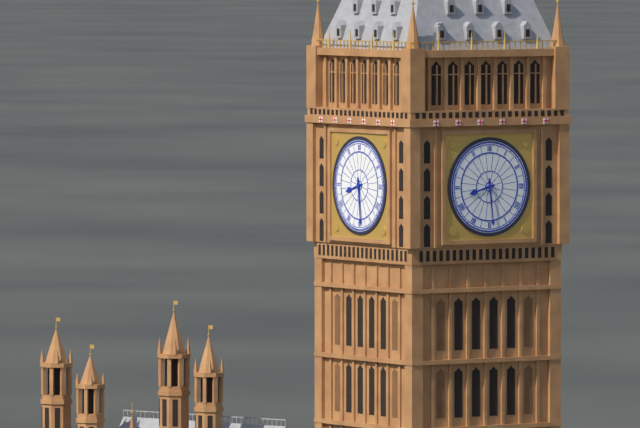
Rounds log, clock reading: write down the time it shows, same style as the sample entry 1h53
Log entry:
8h29
